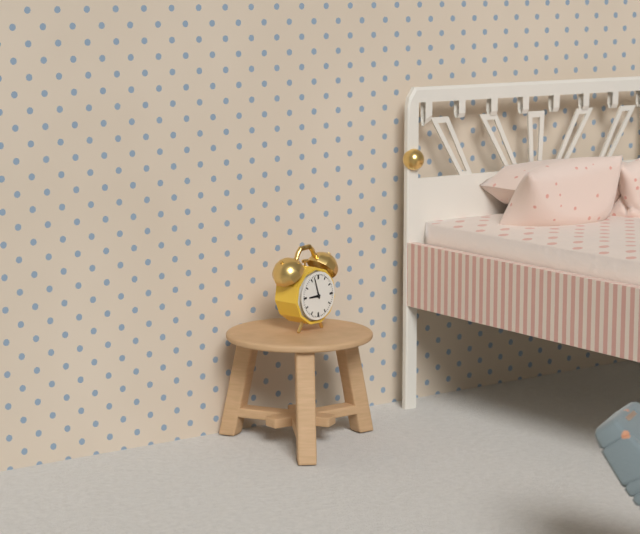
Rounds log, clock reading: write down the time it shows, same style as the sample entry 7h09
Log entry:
8h57
